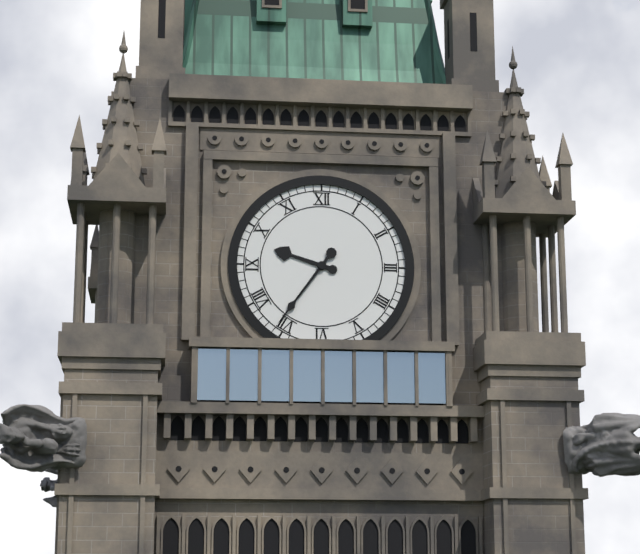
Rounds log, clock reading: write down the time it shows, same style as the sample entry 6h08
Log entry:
9h36
